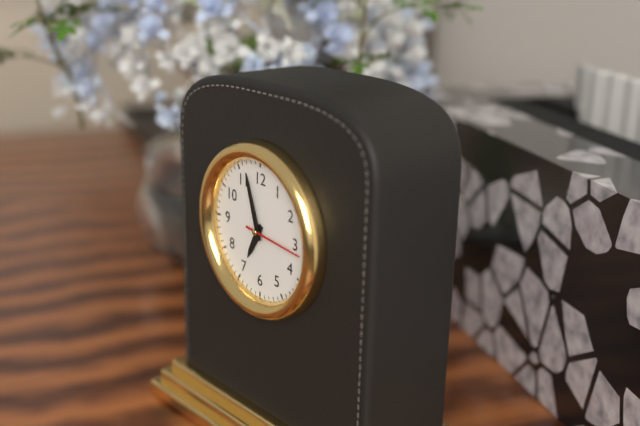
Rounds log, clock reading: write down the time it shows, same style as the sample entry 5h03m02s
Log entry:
6h57m16s
